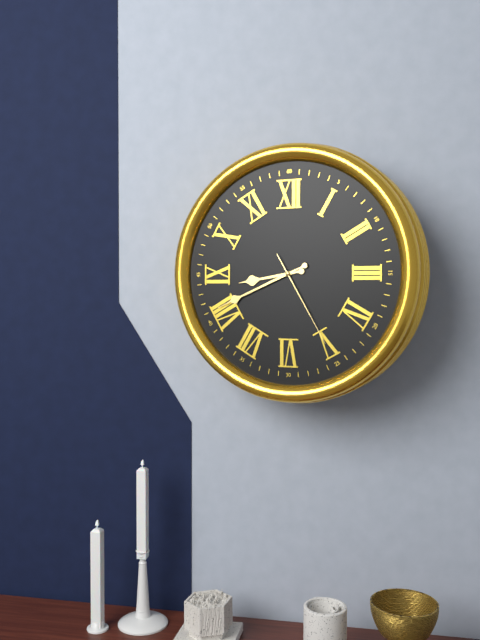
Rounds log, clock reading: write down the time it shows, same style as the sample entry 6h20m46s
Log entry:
8h41m25s
